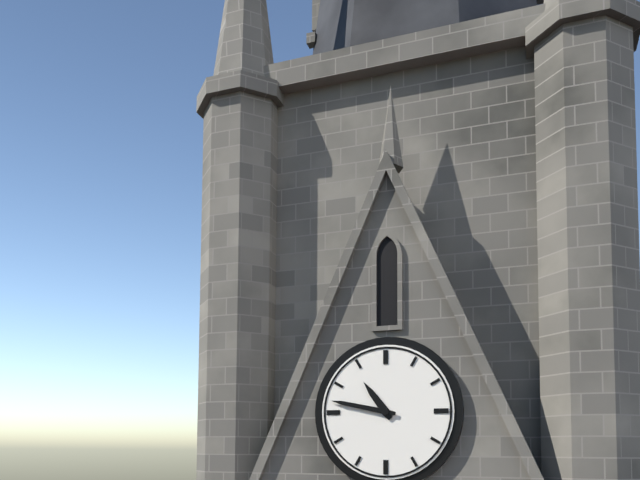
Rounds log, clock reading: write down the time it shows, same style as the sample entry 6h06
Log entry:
10h47
